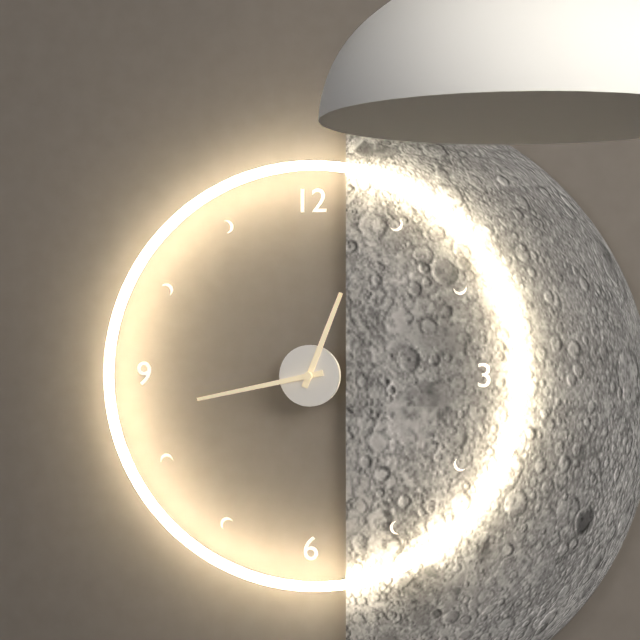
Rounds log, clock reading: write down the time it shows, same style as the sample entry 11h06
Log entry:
12h43
